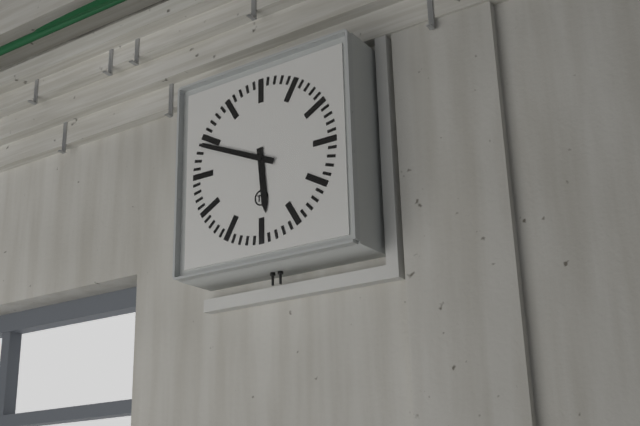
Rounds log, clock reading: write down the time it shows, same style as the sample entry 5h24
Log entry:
5h49
